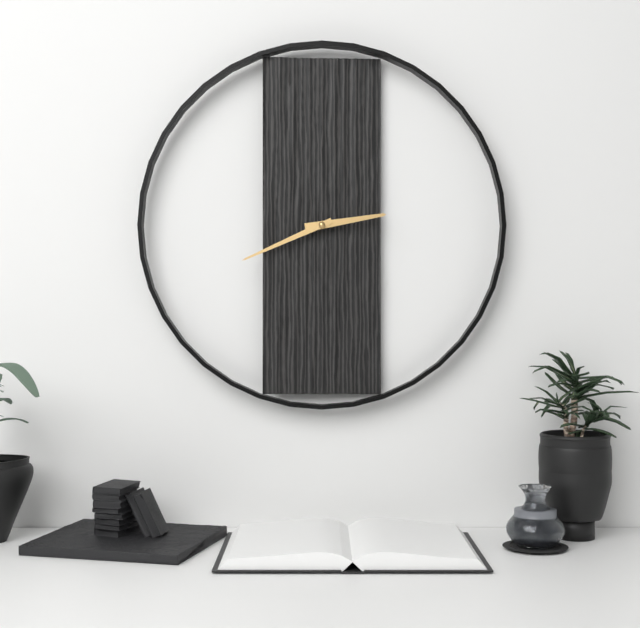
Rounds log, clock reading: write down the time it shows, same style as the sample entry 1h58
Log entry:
2h41
